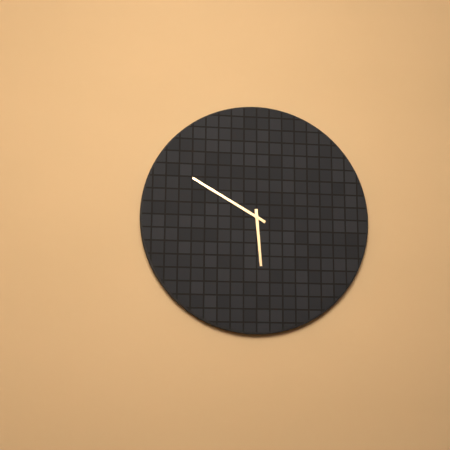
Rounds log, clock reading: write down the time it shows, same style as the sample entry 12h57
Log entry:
5h50
